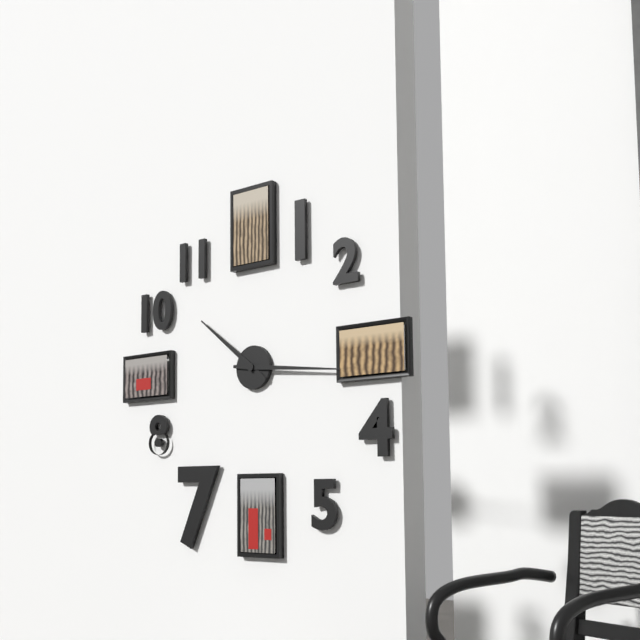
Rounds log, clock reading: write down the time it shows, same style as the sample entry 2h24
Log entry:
10h16
